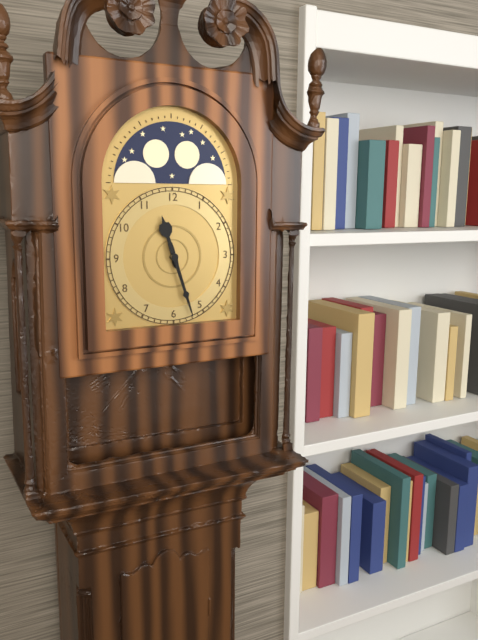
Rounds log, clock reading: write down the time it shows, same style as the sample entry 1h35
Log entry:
11h27
